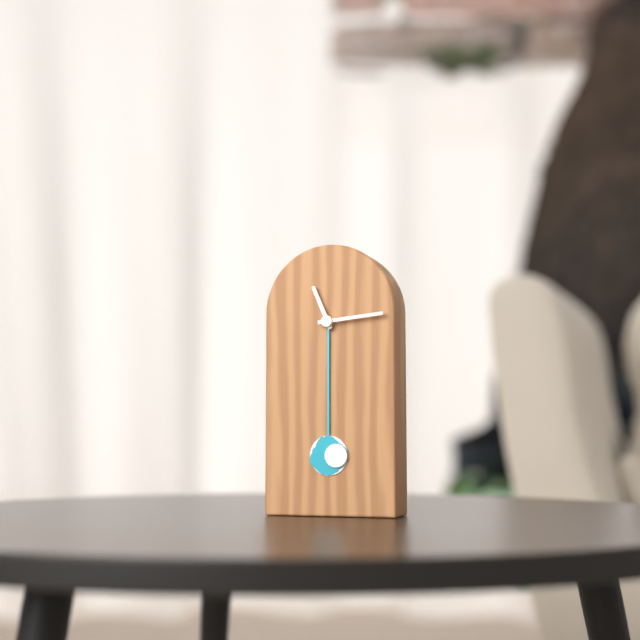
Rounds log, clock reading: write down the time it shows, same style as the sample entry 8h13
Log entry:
11h14
